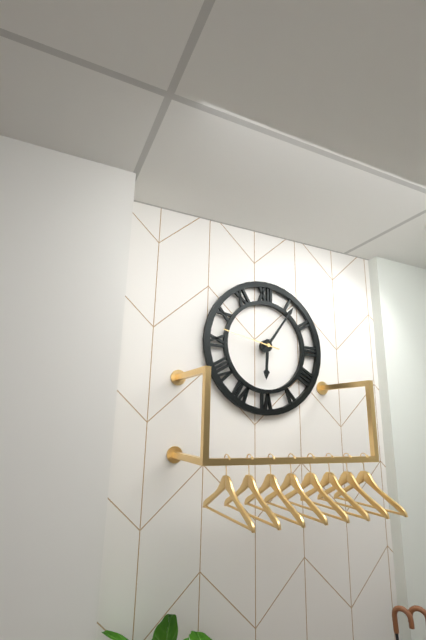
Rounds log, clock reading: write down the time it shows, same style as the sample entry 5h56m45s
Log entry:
6h06m47s
